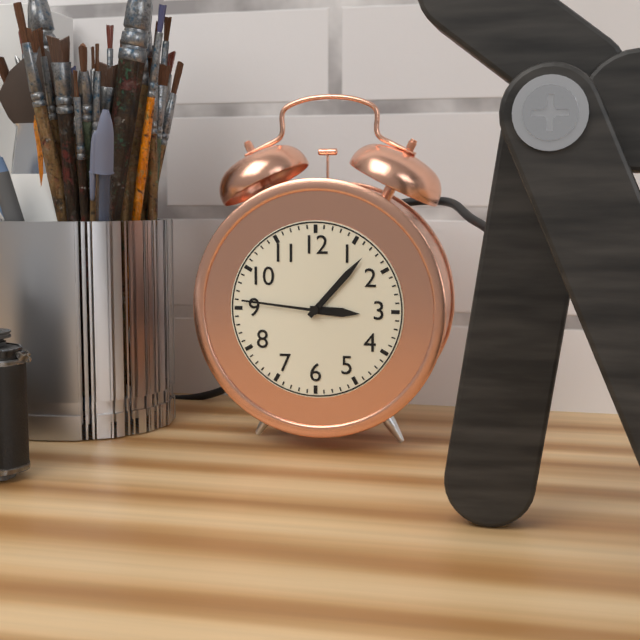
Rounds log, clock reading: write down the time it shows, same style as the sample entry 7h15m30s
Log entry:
3h07m46s
